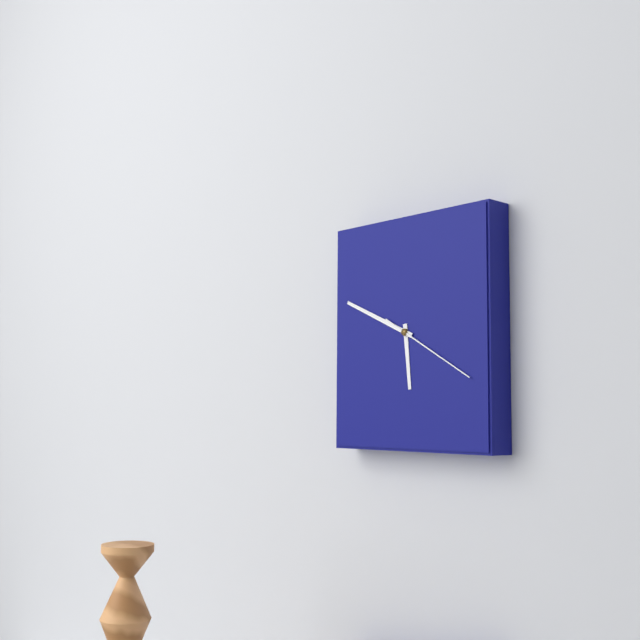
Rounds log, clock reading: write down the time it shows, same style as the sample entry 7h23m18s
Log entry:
5h49m20s
